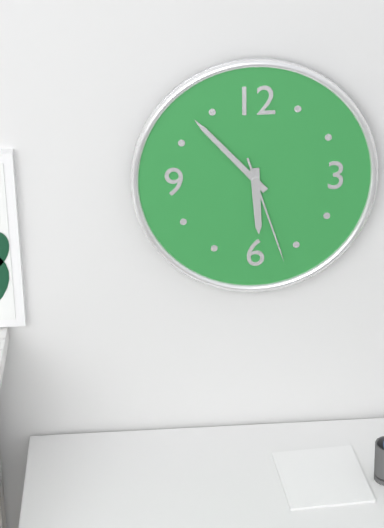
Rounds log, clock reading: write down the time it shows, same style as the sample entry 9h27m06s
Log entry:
5h53m27s
